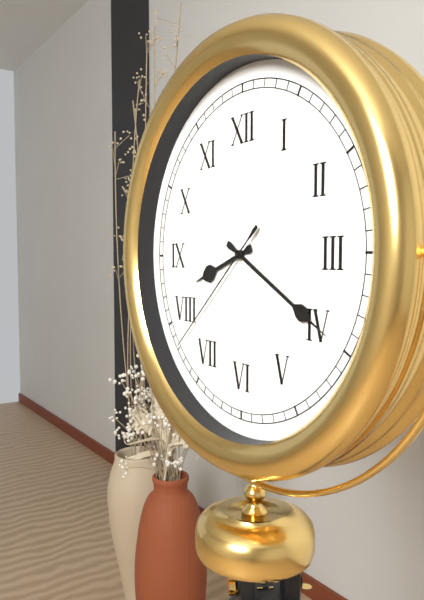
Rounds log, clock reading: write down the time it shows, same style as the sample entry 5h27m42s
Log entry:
8h20m38s
